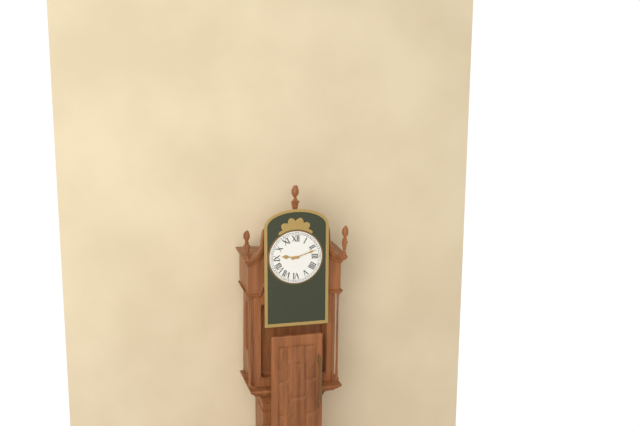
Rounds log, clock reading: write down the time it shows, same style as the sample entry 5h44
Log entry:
9h12
